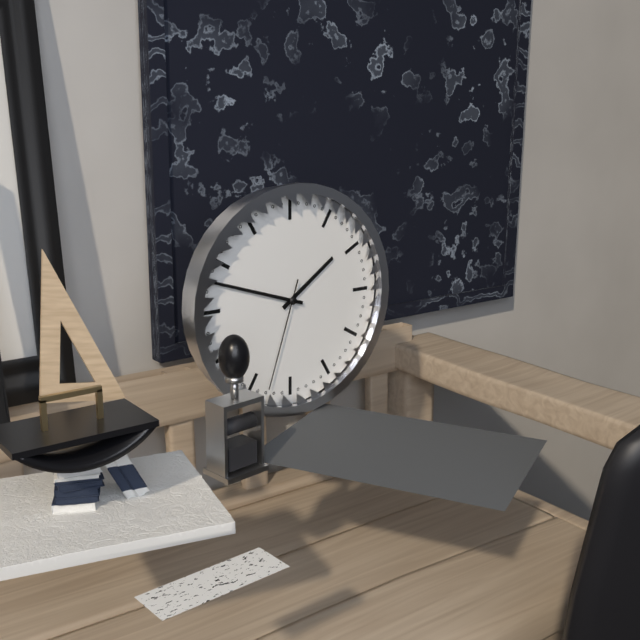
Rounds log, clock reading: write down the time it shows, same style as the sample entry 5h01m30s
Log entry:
1h48m33s
